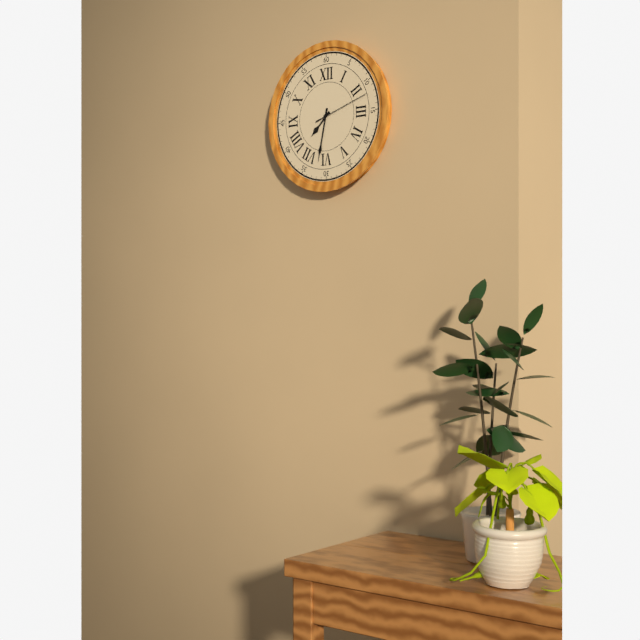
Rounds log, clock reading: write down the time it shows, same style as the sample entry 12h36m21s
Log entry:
7h32m12s
